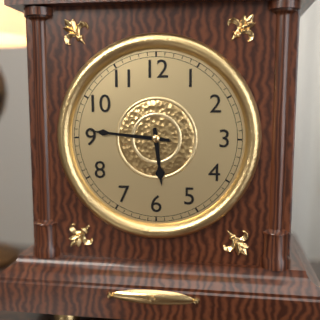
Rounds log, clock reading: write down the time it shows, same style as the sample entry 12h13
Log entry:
5h46
